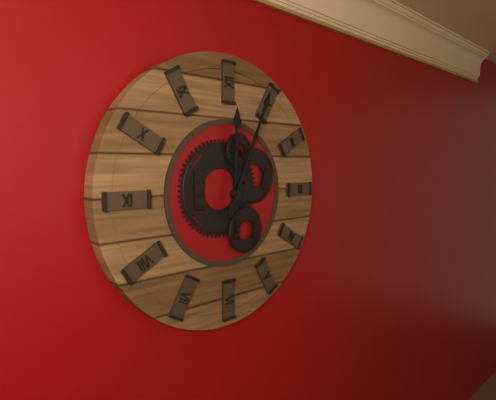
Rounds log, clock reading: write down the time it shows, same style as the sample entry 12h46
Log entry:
12h04
